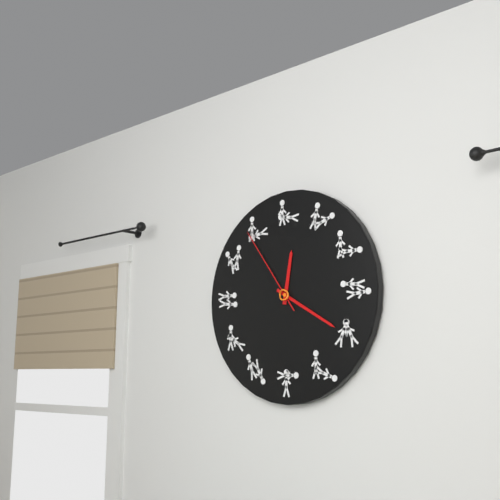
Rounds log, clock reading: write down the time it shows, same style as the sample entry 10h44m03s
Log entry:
12h20m54s
